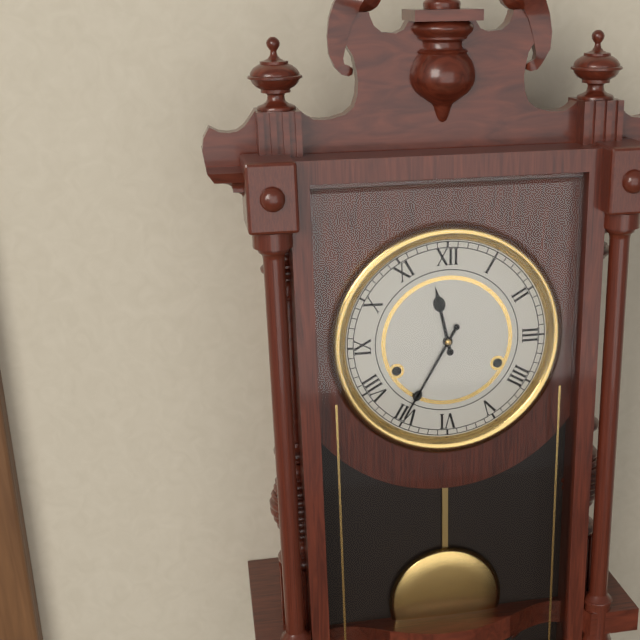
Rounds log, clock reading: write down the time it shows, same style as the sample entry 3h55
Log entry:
11h35
